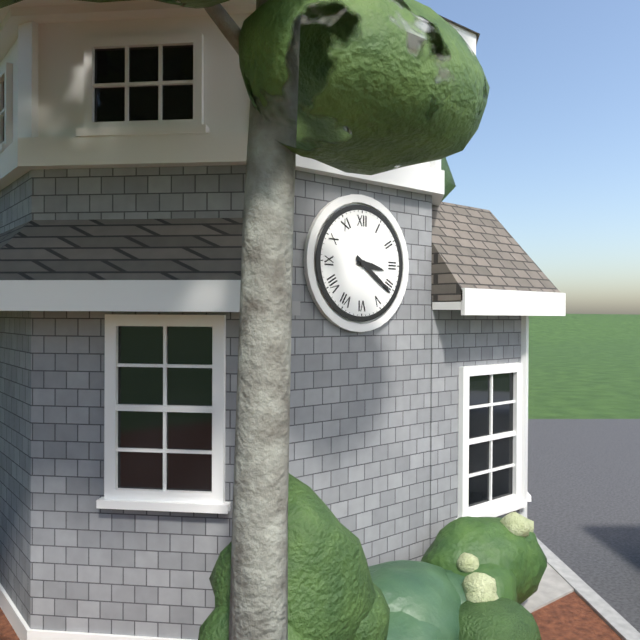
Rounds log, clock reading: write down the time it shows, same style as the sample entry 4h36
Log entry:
3h21
